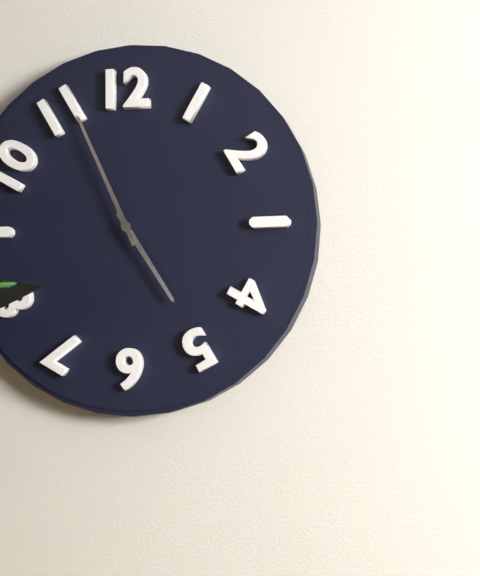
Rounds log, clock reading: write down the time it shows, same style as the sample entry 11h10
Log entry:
4h56
